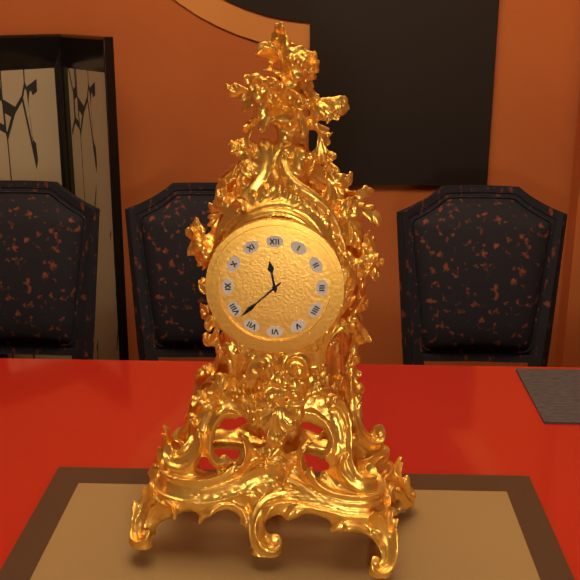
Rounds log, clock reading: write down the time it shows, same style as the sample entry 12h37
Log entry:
11h38
